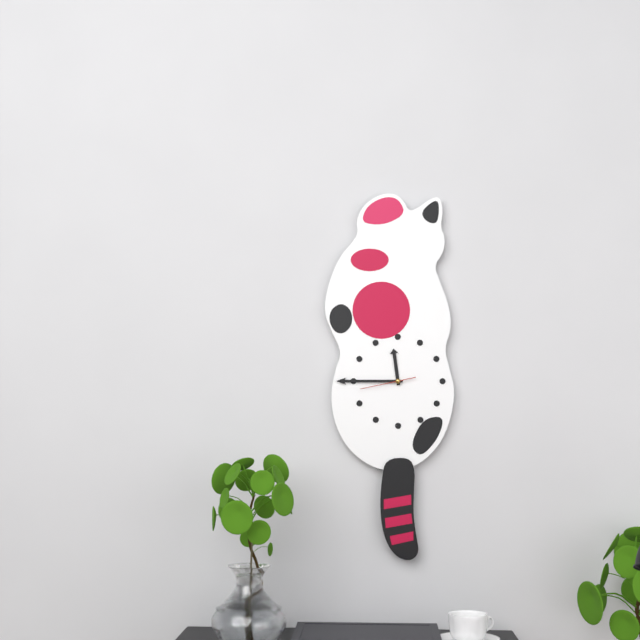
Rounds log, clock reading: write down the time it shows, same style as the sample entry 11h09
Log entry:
11h45
